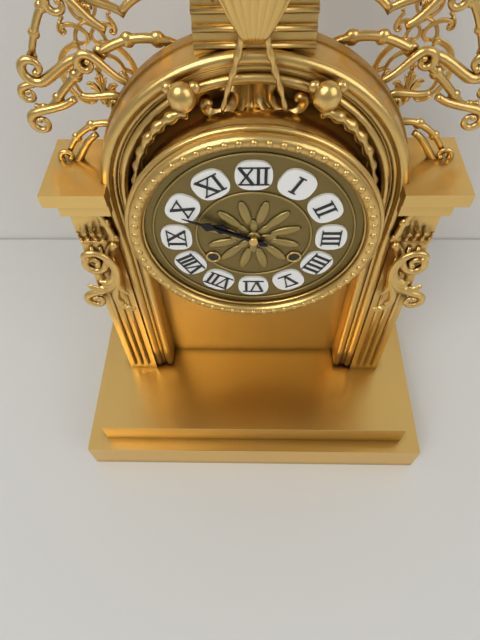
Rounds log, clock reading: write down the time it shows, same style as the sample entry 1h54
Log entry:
9h49
